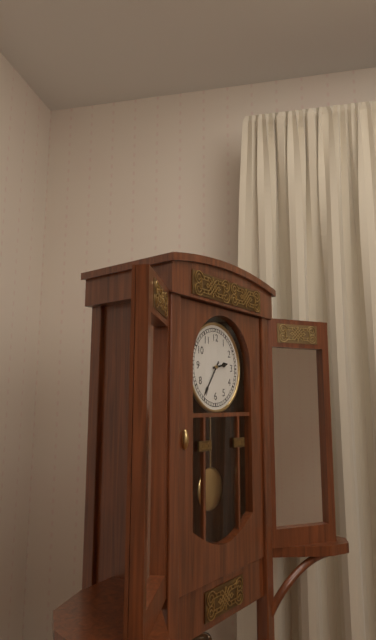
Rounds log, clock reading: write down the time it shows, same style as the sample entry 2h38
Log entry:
2h36
